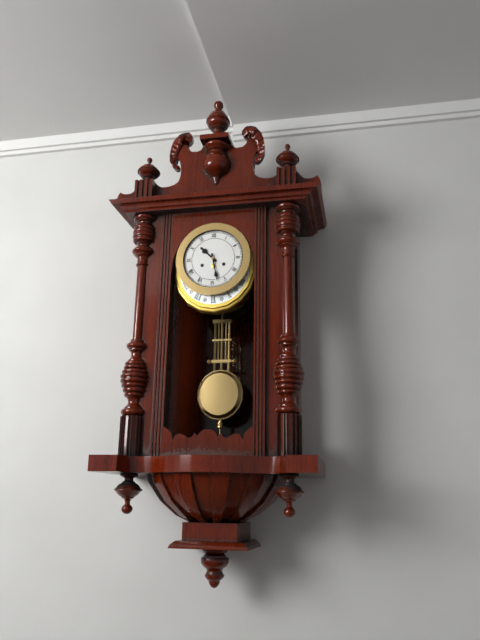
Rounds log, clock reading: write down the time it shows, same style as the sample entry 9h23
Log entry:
10h28
